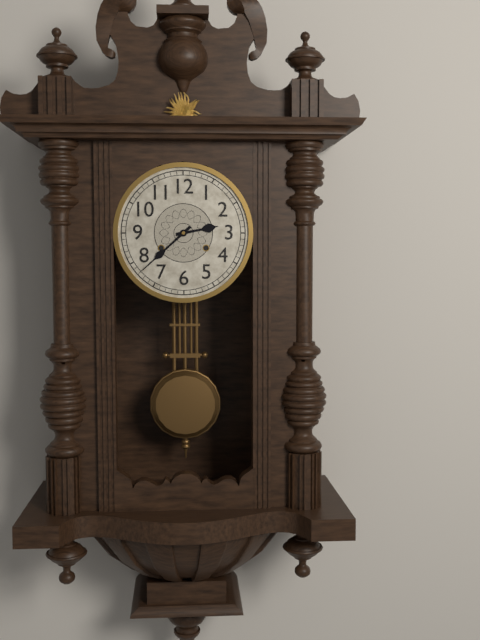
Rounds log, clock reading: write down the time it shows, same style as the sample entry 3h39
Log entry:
2h38
